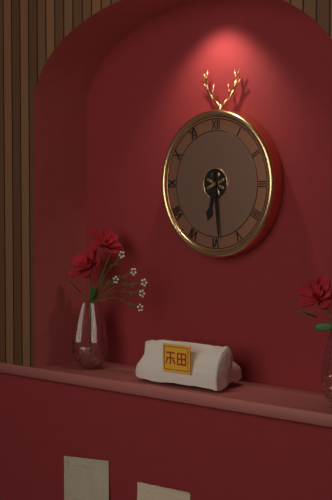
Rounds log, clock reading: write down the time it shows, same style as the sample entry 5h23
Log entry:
6h29
